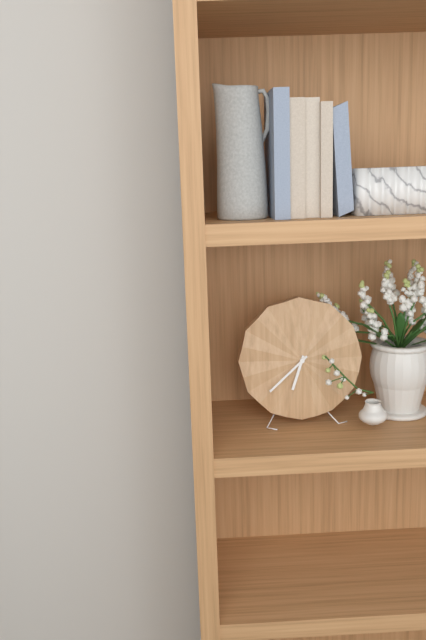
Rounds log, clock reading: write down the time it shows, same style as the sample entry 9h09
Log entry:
6h38
